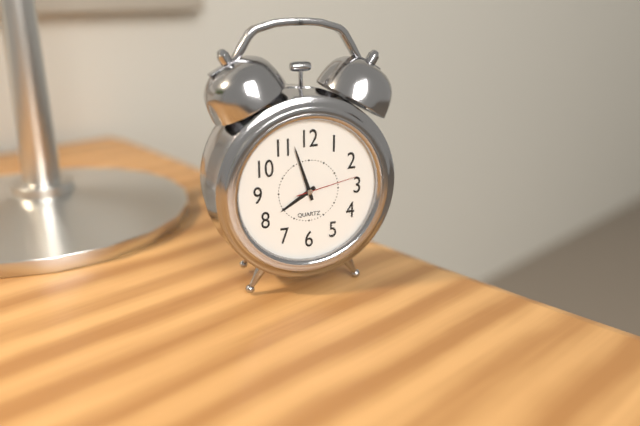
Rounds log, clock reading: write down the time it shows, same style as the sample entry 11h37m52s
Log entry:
7h57m13s
